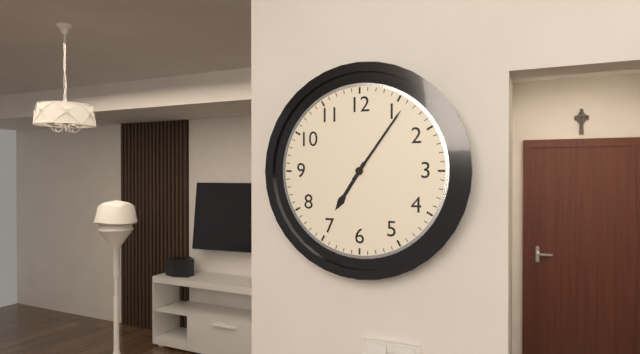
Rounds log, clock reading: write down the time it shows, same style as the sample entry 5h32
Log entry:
7h06
